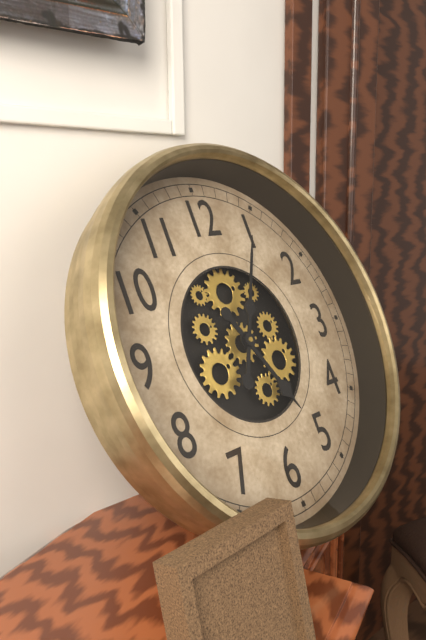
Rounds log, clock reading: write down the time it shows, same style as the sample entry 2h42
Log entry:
5h05
